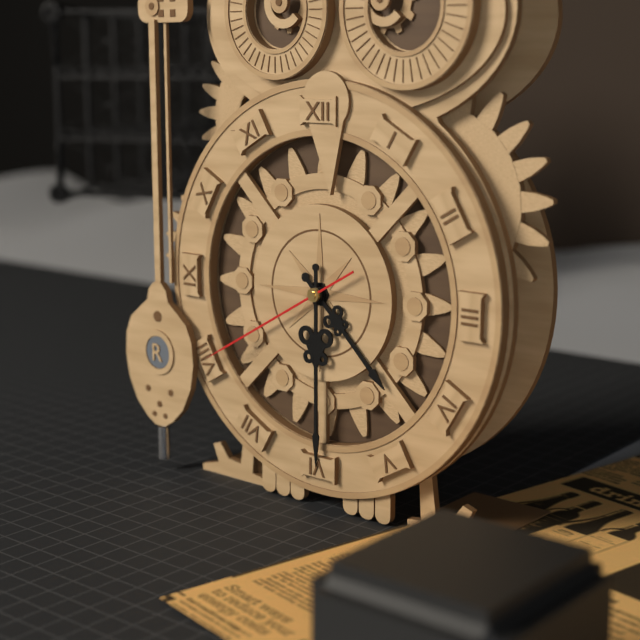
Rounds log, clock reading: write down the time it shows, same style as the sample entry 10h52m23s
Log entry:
4h30m40s
